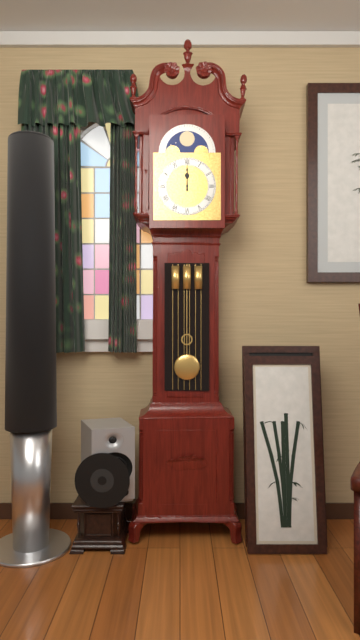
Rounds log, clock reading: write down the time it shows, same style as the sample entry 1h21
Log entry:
12h00
